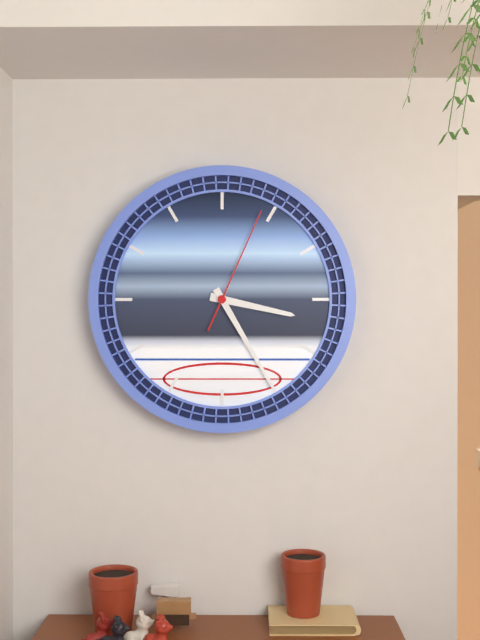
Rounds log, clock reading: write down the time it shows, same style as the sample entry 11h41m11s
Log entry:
3h25m04s
